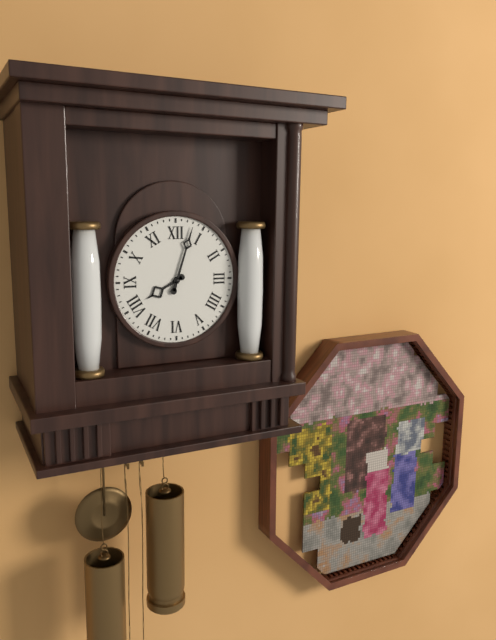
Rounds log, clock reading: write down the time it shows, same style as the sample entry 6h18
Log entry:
8h03
